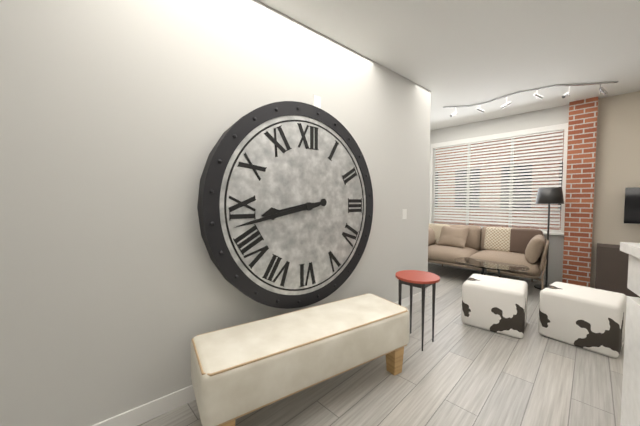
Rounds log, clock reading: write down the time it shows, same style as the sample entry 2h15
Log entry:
8h43
